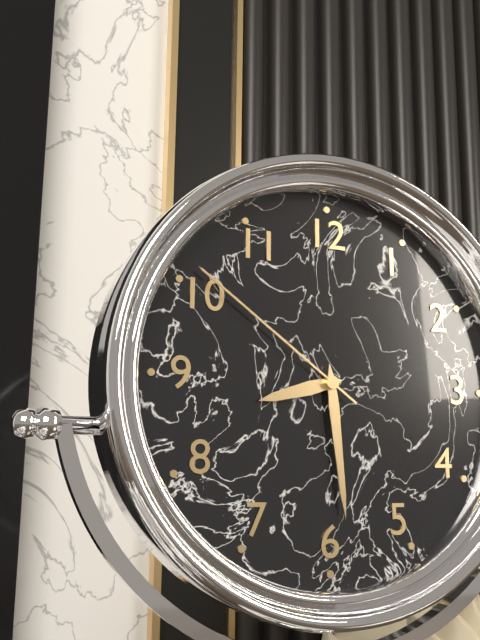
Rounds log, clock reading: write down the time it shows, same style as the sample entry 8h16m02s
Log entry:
8h29m51s
